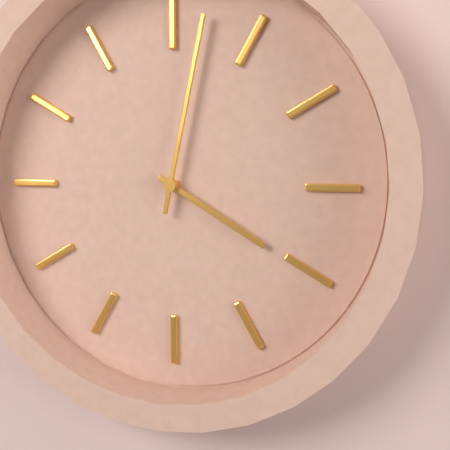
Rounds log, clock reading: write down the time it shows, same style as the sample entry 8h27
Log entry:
4h02
